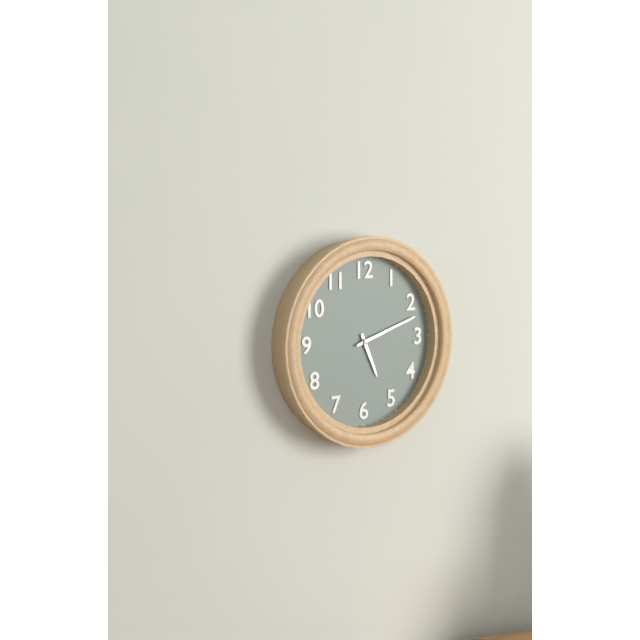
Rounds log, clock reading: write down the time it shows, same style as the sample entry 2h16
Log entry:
5h12
